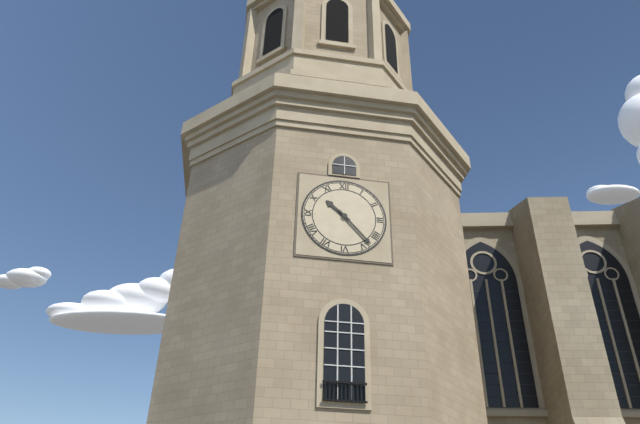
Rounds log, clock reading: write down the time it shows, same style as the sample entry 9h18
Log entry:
10h23
